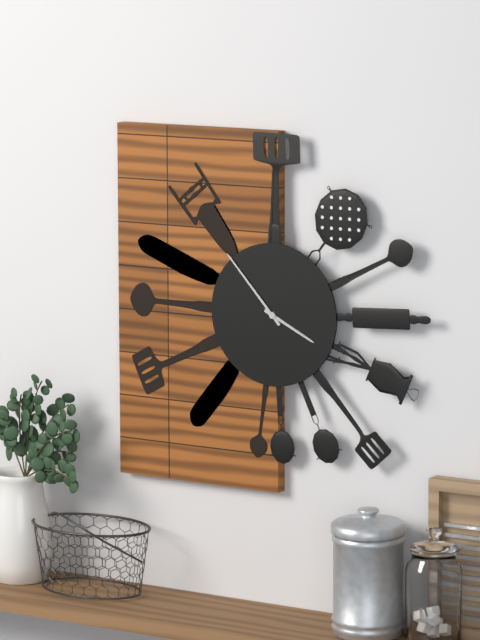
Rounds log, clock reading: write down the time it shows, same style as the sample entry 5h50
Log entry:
3h53
